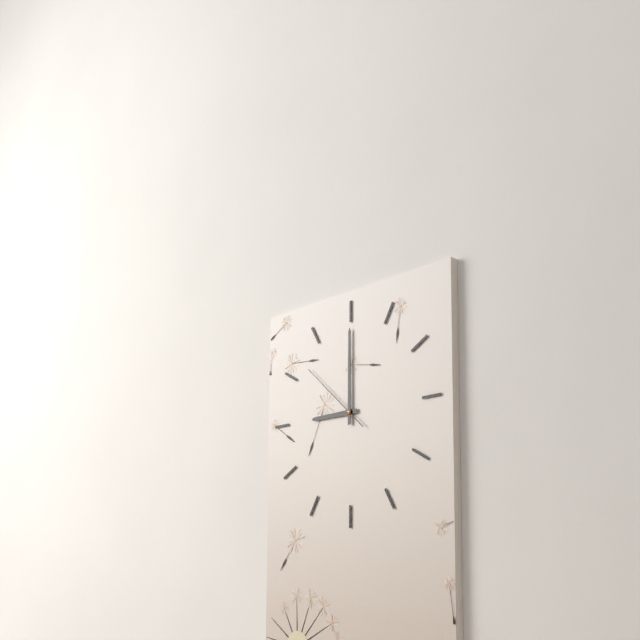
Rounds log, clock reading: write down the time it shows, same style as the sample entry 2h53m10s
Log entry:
9h00m52s
